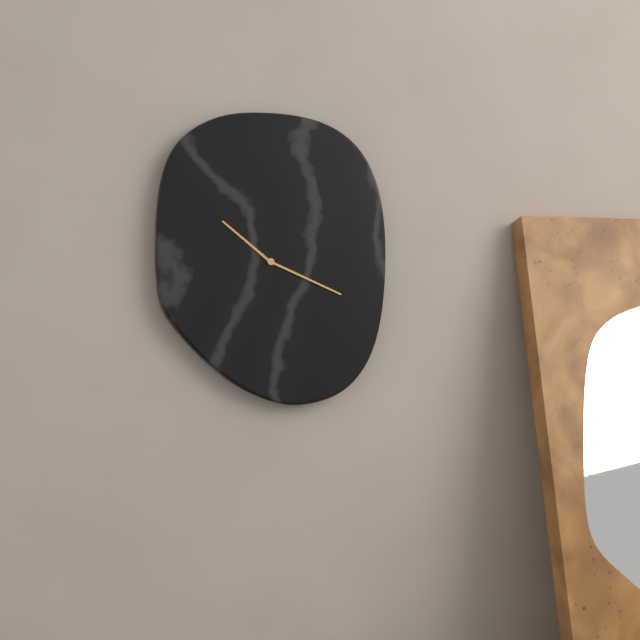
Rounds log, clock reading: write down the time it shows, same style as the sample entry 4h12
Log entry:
10h19
